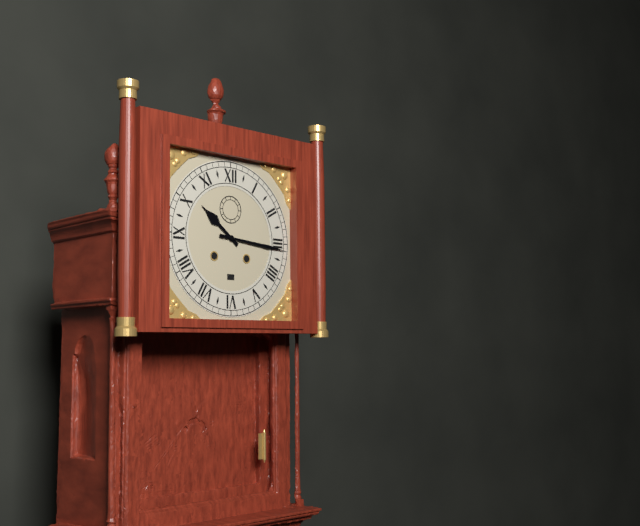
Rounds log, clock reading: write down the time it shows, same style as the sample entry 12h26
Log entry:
10h16
